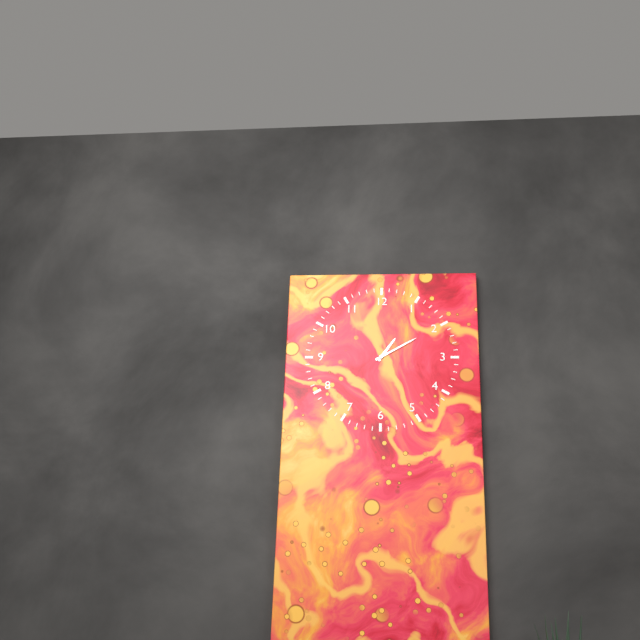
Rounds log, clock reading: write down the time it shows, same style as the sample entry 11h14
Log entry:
1h10
